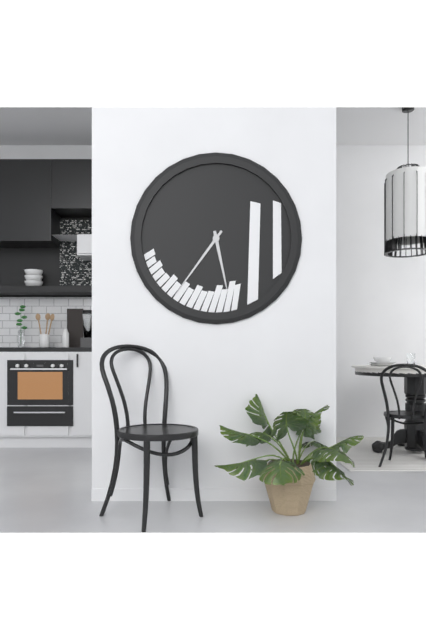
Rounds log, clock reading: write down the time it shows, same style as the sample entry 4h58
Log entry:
5h36
